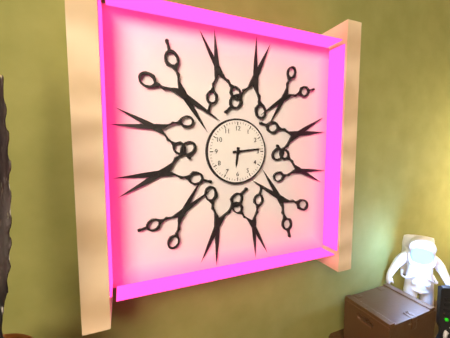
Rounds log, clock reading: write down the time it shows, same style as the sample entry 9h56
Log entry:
6h14
